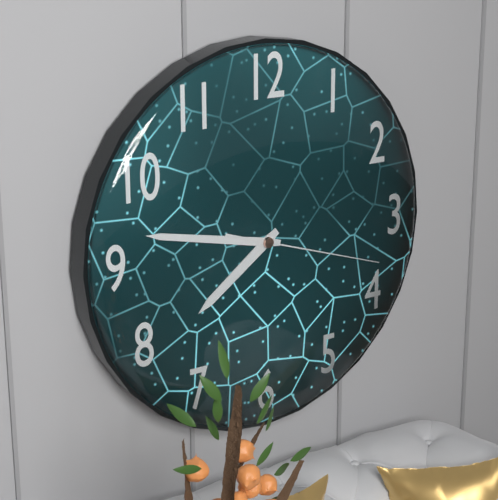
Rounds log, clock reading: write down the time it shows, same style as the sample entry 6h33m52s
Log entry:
7h47m18s
